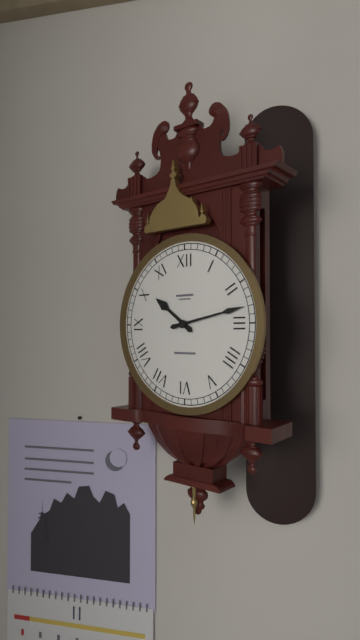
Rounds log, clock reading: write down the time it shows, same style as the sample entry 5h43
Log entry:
10h13
